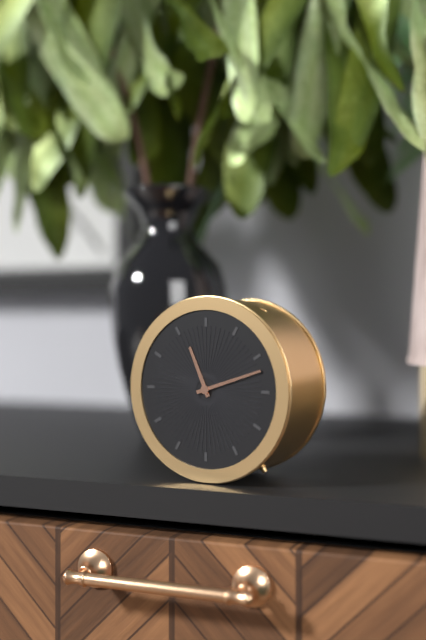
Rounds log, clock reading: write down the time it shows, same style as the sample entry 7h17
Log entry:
11h12
